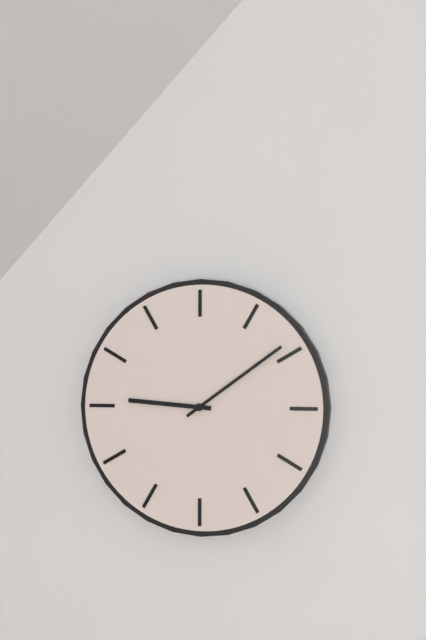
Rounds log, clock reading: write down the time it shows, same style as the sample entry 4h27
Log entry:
9h09
